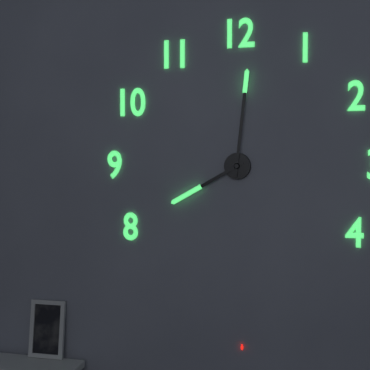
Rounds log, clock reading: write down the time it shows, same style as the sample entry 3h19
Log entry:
8h01
